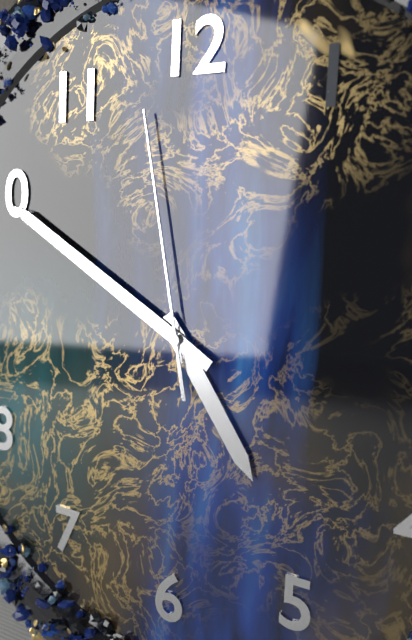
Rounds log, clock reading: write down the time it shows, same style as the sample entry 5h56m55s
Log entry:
4h50m58s
